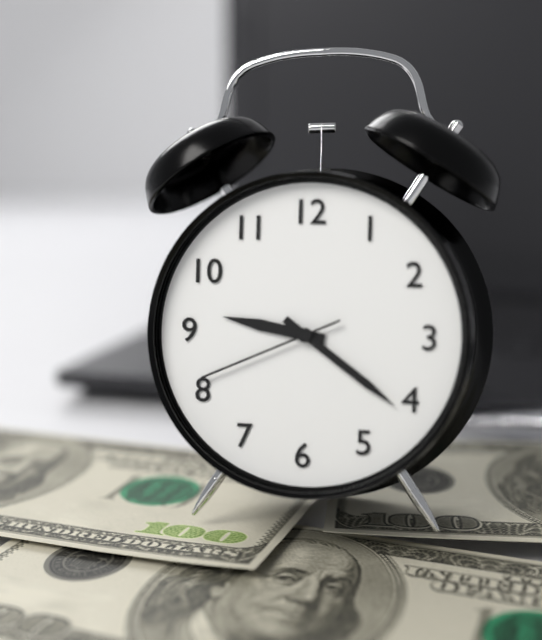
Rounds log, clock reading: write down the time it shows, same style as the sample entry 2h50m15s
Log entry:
9h21m41s
